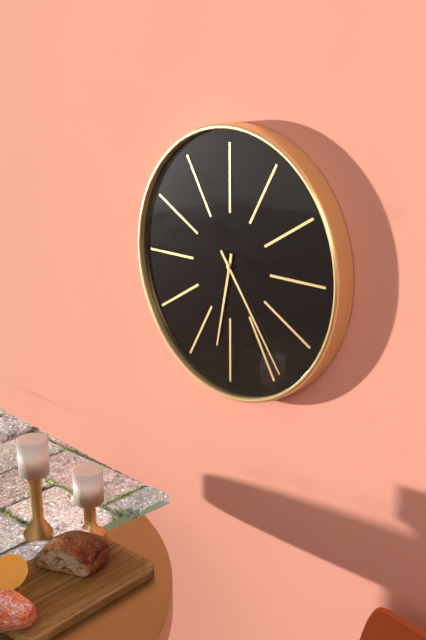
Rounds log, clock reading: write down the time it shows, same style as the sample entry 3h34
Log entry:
6h24
